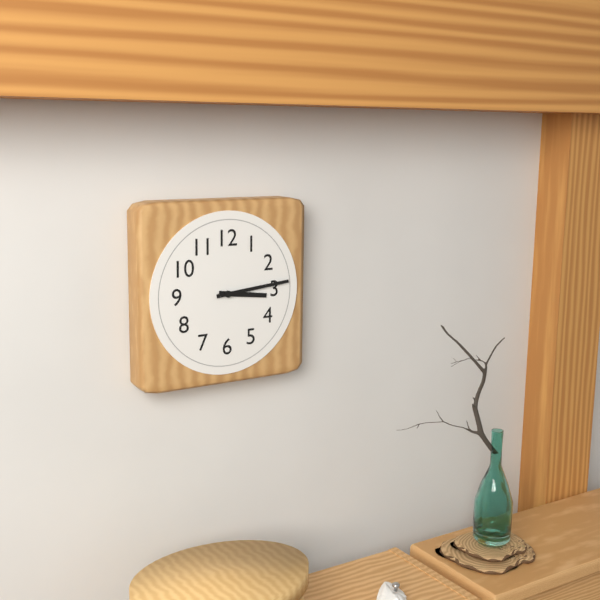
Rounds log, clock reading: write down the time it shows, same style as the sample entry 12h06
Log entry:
3h14
